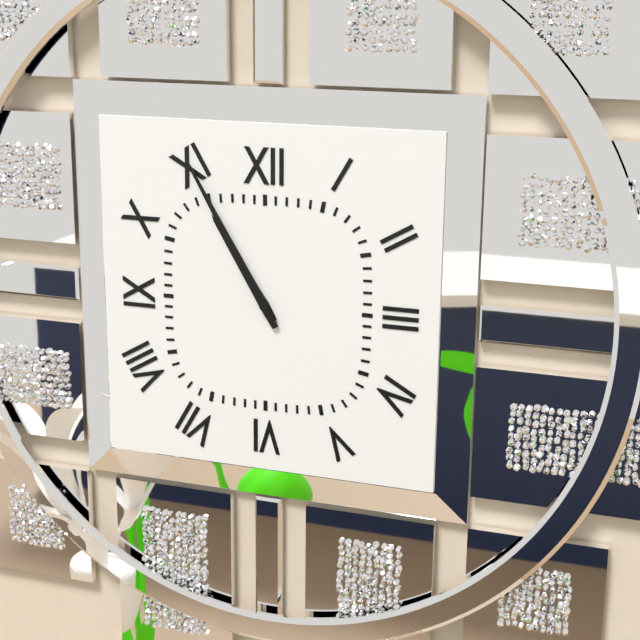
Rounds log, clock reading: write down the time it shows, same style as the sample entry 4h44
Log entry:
10h55
